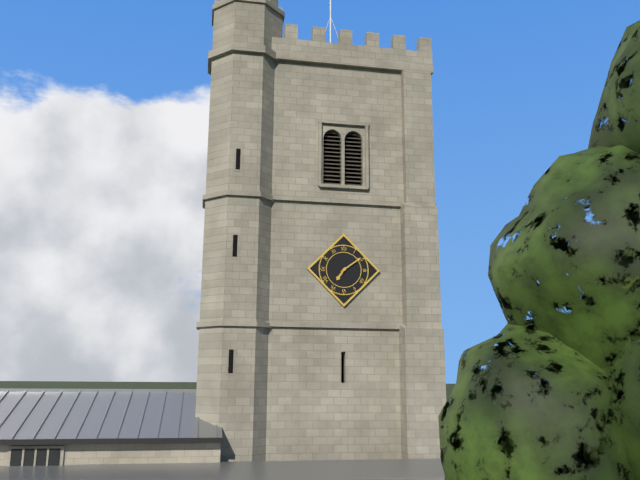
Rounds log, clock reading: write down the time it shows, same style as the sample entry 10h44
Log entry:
7h09
